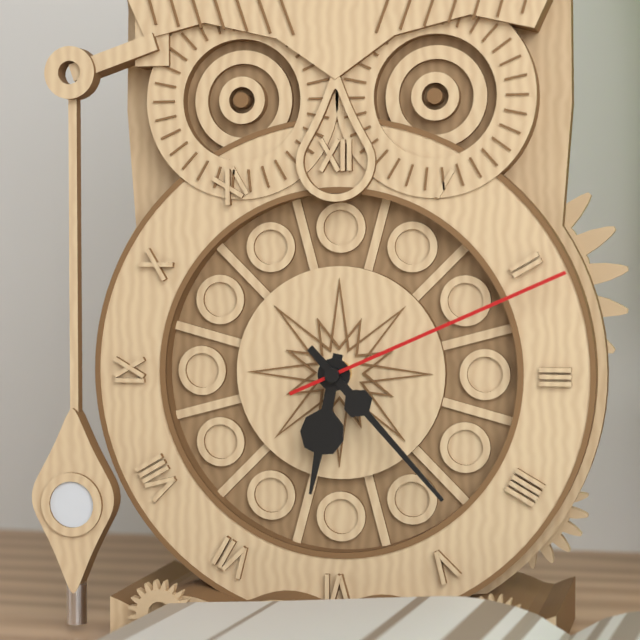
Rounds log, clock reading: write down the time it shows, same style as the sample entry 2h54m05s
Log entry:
6h23m11s
